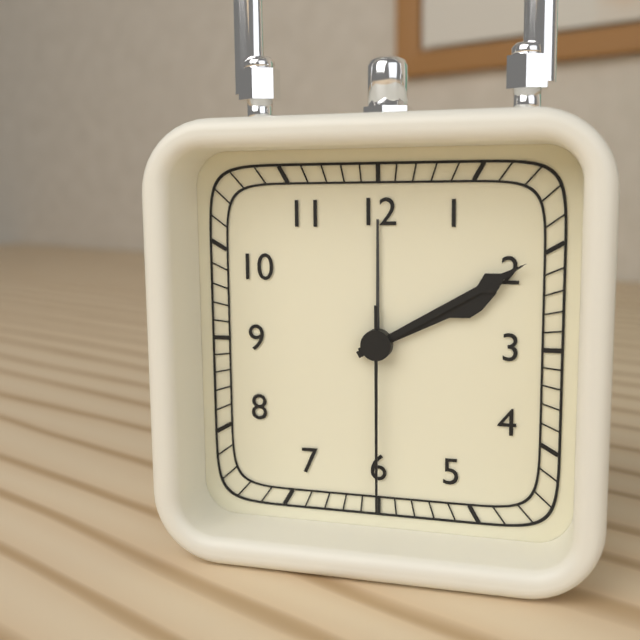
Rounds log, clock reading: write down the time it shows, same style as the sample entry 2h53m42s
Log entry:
2h10m30s
